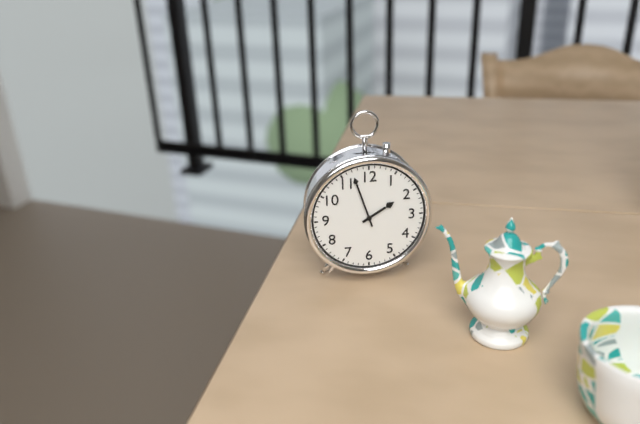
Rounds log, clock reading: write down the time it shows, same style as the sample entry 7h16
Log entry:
1h57
